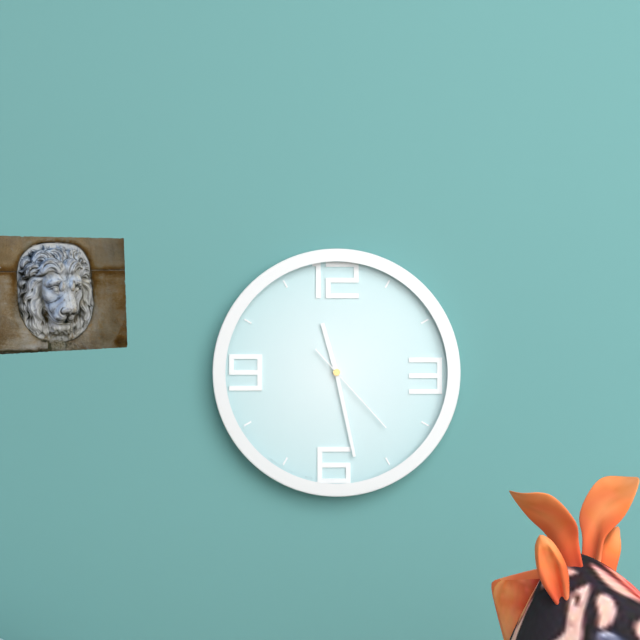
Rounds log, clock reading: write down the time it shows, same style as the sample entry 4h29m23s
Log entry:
11h28m23s
